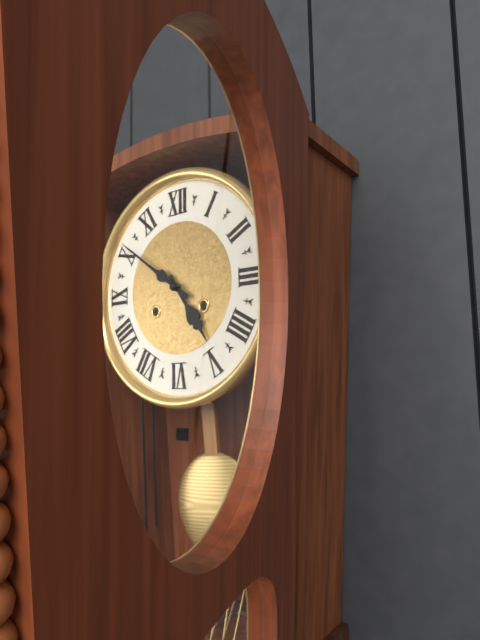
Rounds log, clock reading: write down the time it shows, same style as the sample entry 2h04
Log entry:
4h51
